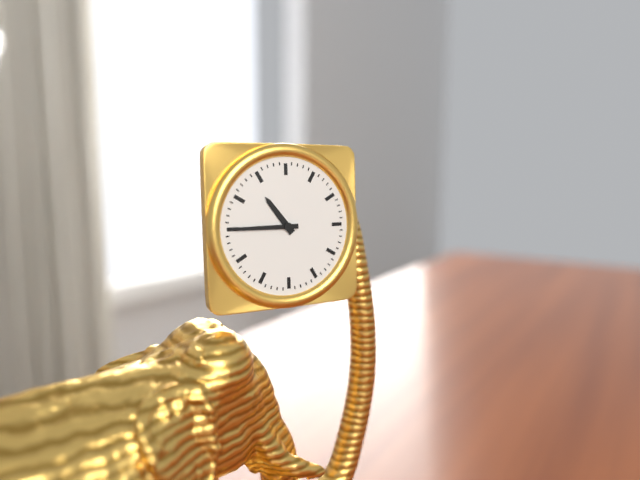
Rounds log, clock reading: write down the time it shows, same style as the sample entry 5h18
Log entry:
10h45
